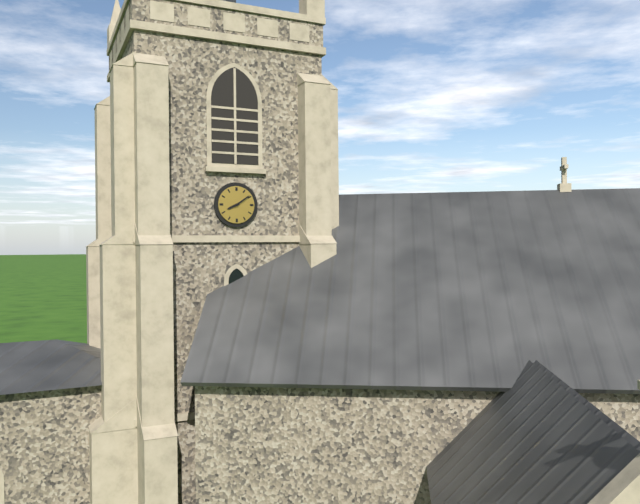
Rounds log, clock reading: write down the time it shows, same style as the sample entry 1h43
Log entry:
8h09
